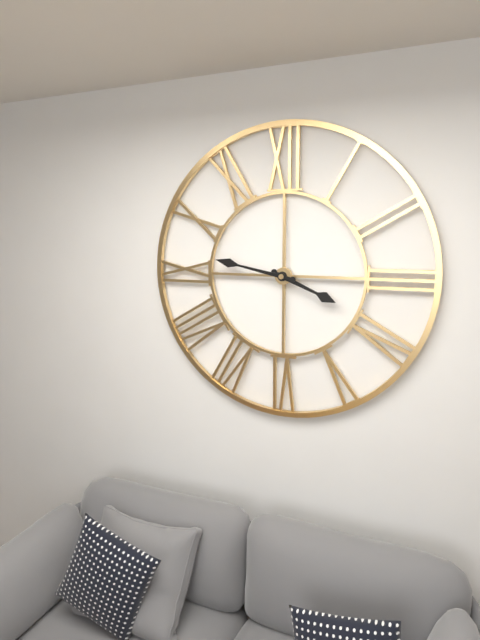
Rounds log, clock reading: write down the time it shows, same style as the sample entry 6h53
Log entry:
3h47
